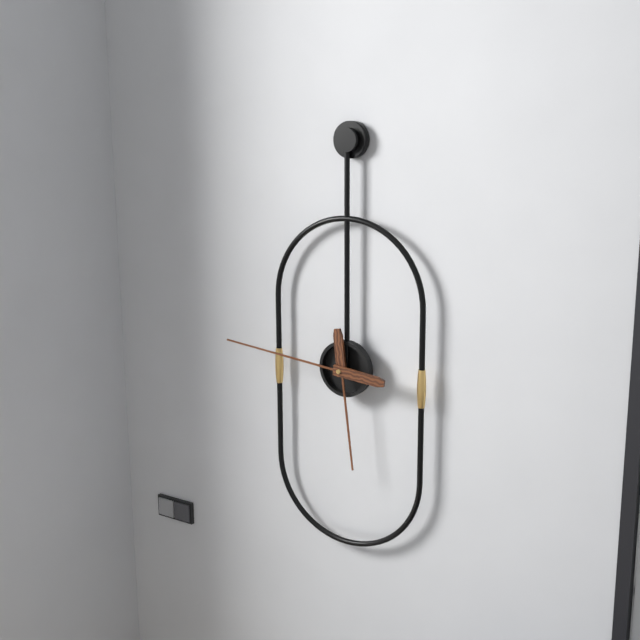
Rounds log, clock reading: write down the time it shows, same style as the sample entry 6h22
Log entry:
5h46
